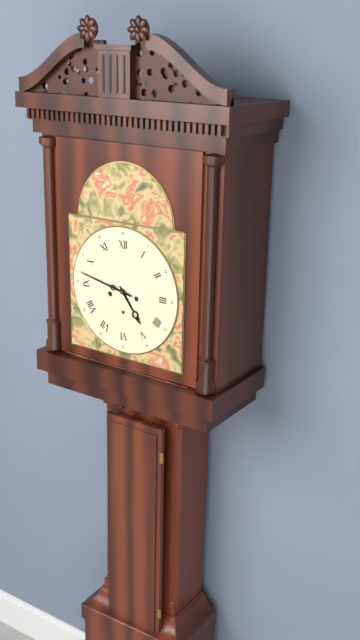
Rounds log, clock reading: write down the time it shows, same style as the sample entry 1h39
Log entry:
4h47
